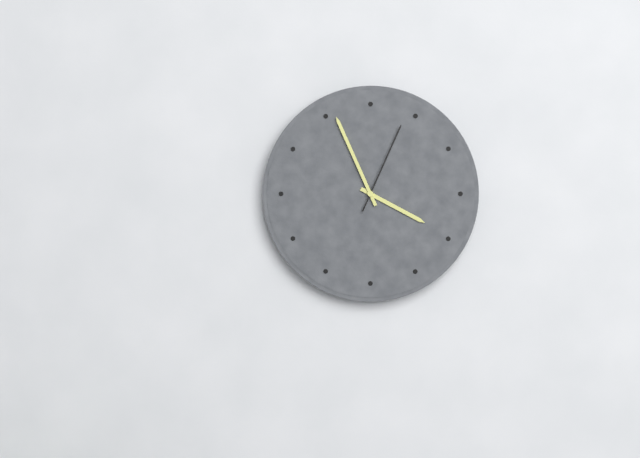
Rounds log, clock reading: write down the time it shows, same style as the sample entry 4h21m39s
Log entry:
3h56m04s
